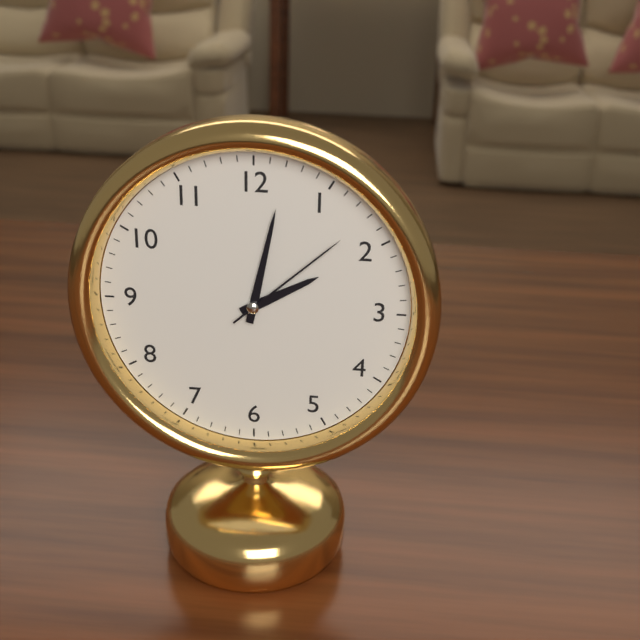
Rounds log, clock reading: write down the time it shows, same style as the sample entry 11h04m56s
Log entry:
2h02m08s
